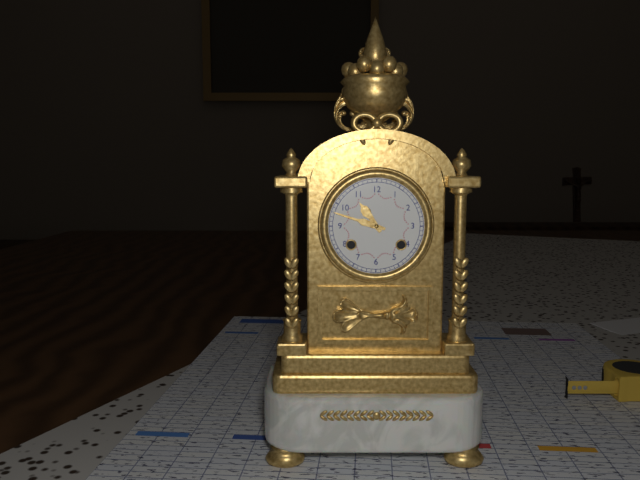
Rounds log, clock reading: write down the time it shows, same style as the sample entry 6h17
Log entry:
10h48
